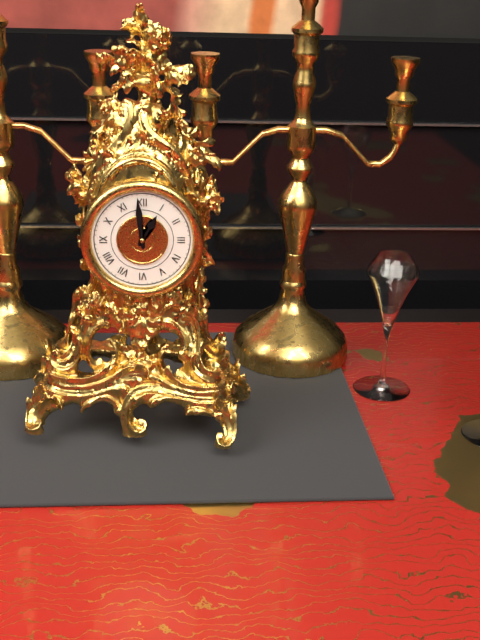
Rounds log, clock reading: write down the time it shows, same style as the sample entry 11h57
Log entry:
12h59
